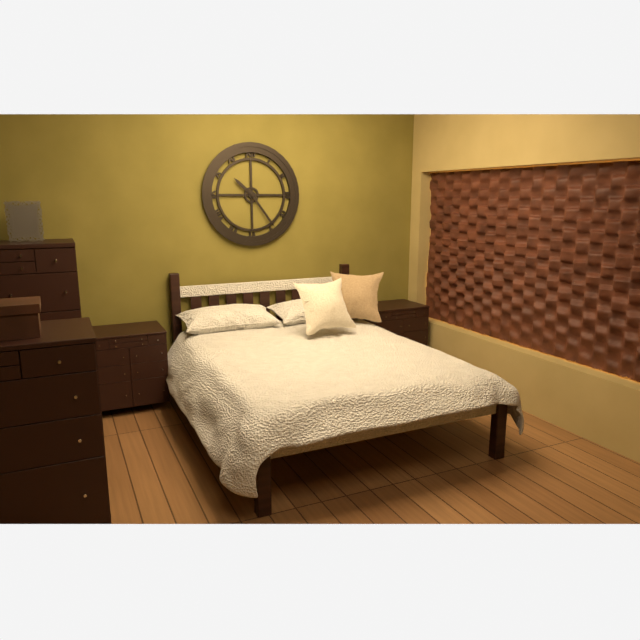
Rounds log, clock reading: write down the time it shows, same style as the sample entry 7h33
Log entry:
10h24
